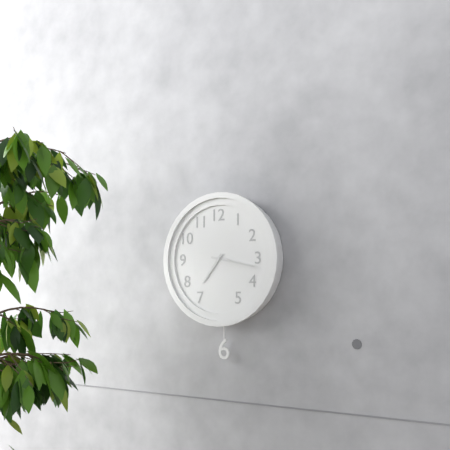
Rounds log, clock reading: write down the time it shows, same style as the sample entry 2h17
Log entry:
7h17
